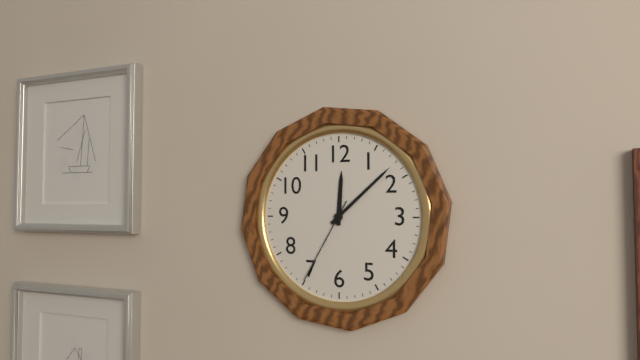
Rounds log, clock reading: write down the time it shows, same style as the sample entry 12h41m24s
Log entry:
12h08m35s
